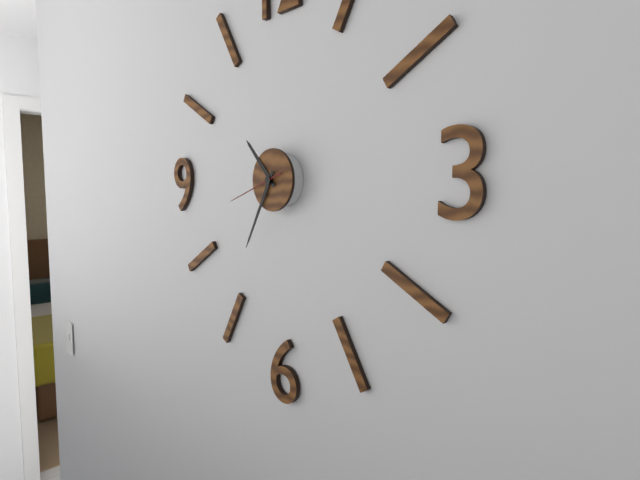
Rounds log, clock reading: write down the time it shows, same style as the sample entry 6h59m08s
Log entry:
10h35m42s
